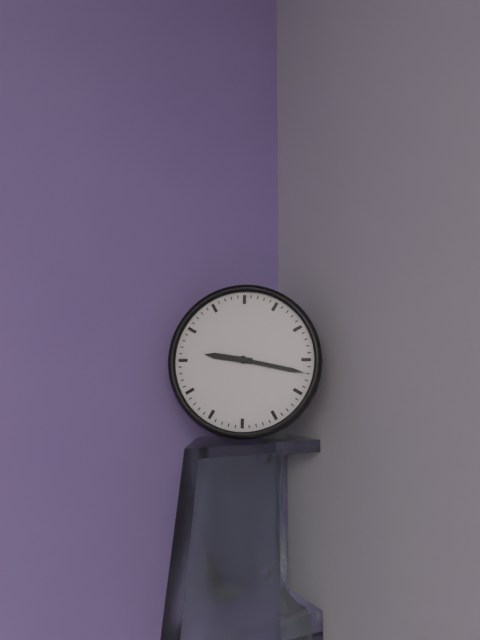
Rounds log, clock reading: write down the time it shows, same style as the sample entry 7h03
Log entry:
9h17
